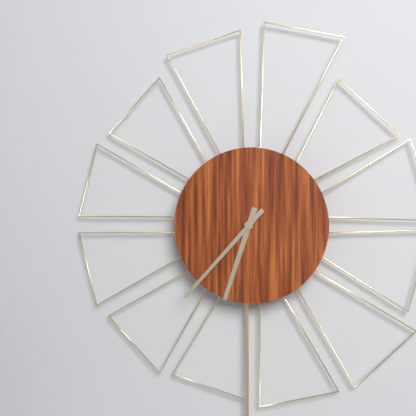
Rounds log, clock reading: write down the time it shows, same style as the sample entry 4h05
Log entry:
6h37
